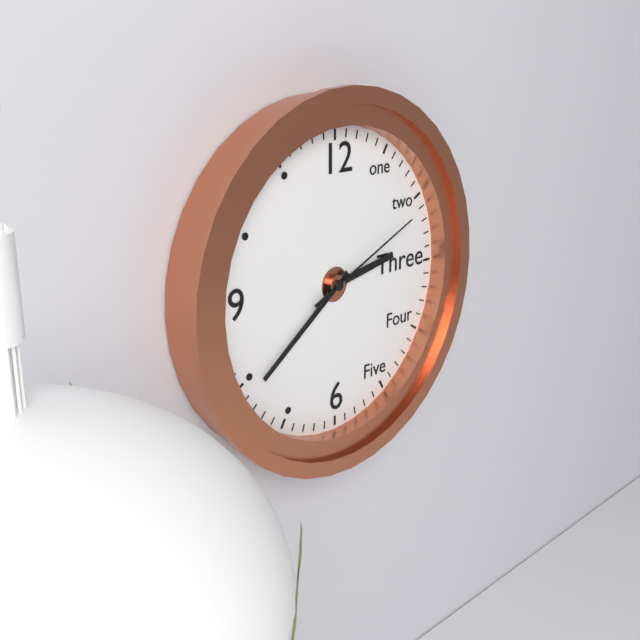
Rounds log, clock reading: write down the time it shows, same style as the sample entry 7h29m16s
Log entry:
2h39m11s
